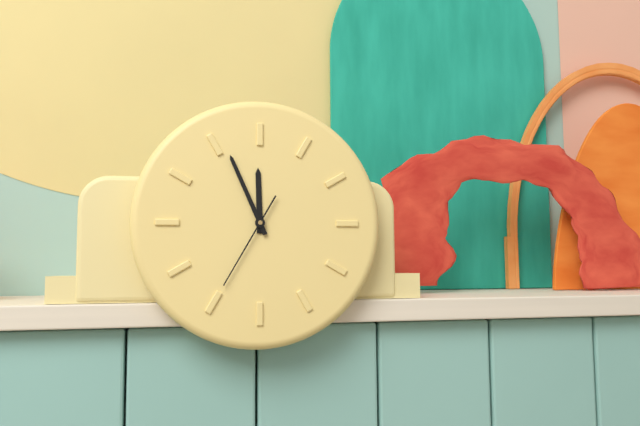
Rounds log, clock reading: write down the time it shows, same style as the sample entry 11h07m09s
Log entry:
11h56m35s
